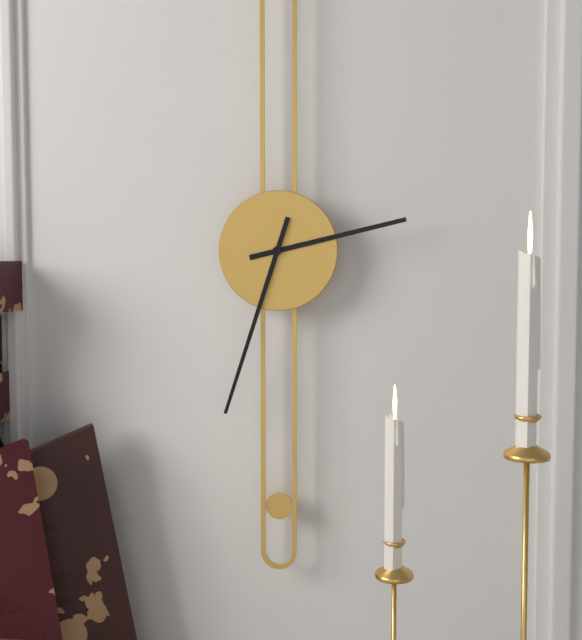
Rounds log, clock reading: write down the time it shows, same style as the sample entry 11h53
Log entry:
2h33
